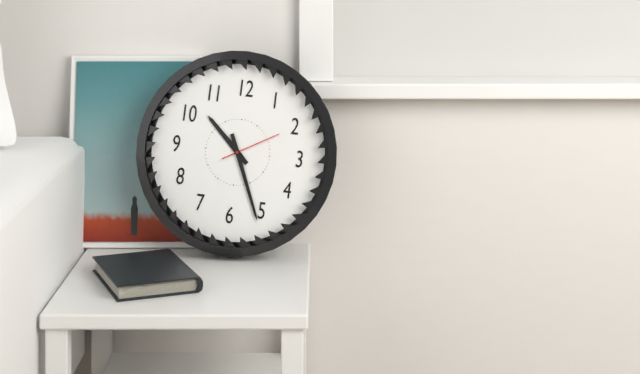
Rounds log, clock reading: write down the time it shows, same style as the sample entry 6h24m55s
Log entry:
10h26m10s
